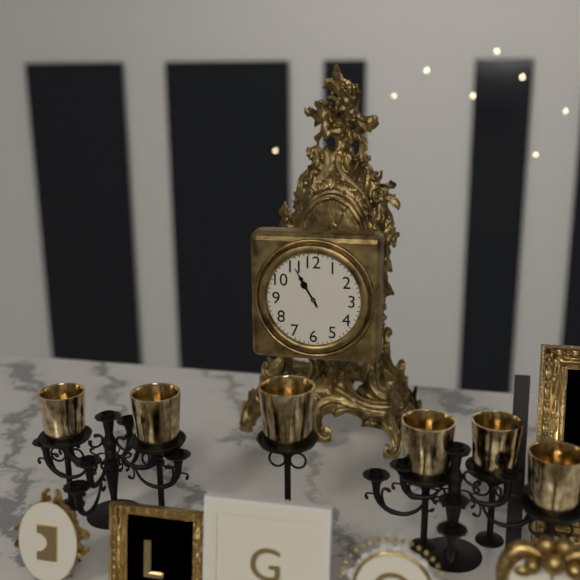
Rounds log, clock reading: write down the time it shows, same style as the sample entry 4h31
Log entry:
10h55
